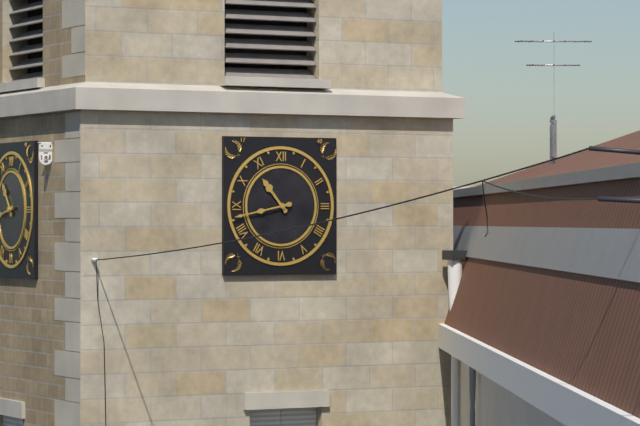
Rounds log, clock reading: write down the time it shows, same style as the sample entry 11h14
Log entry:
10h43
